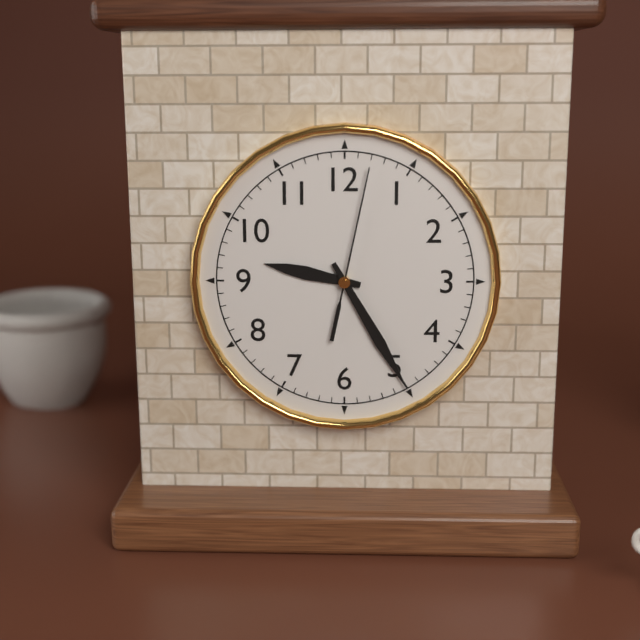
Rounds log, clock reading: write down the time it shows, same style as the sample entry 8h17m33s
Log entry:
9h25m02s
